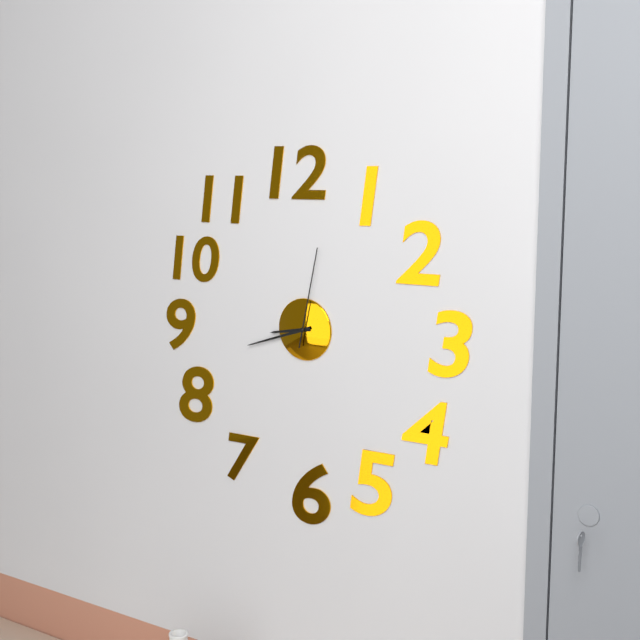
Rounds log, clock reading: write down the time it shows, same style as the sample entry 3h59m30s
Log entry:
8h42m02s
